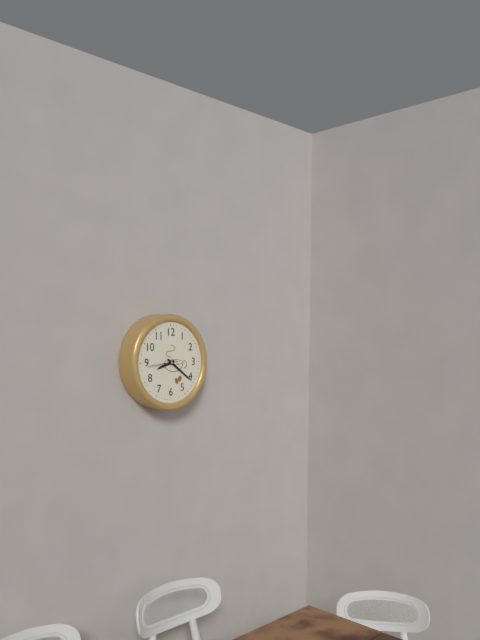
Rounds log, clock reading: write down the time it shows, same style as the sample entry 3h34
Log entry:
8h21
